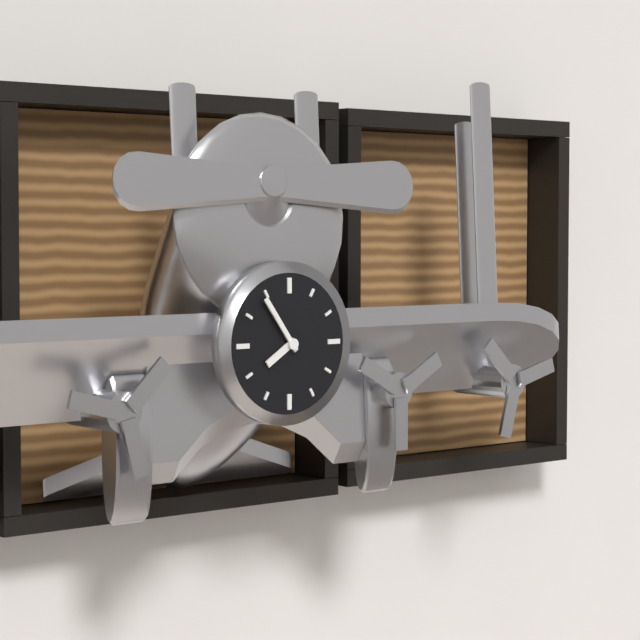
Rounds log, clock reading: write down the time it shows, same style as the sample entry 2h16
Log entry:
7h54
